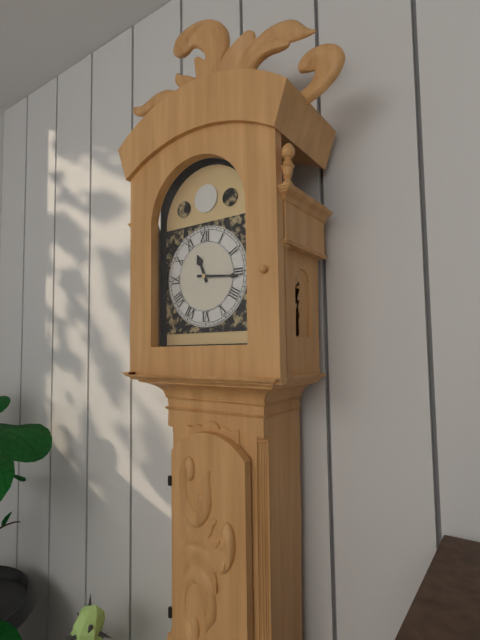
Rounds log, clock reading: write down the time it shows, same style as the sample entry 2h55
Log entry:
11h16
